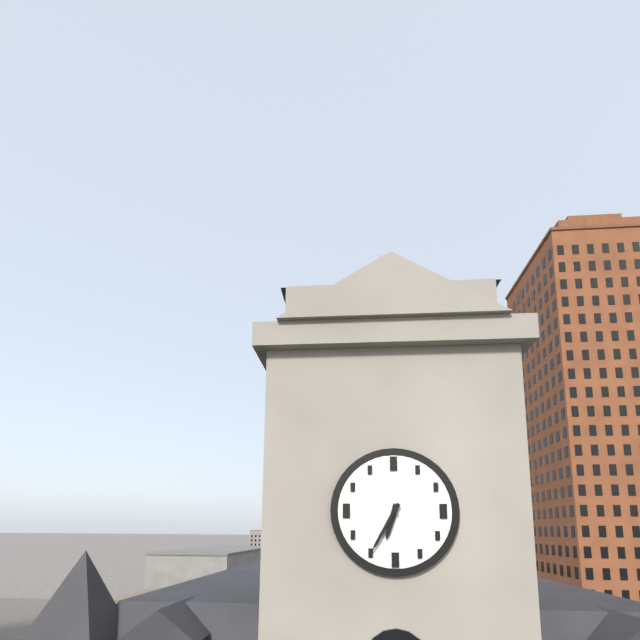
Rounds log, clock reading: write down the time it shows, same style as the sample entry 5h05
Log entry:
6h35
